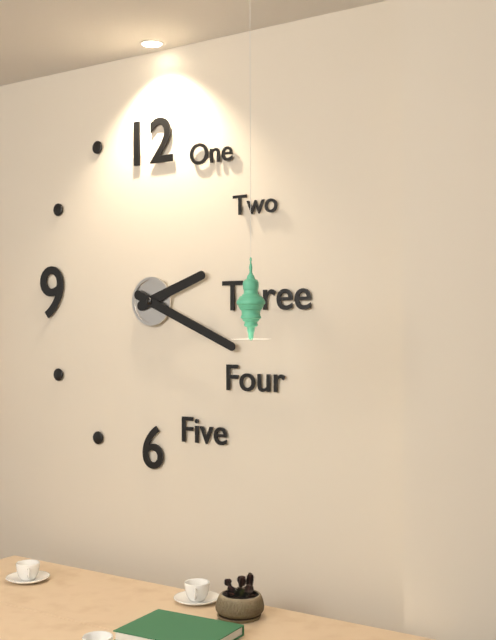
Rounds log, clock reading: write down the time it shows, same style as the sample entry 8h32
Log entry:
2h19
